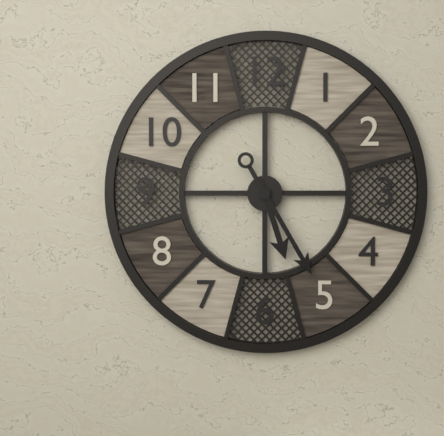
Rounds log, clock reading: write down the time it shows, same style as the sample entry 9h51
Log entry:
5h25
